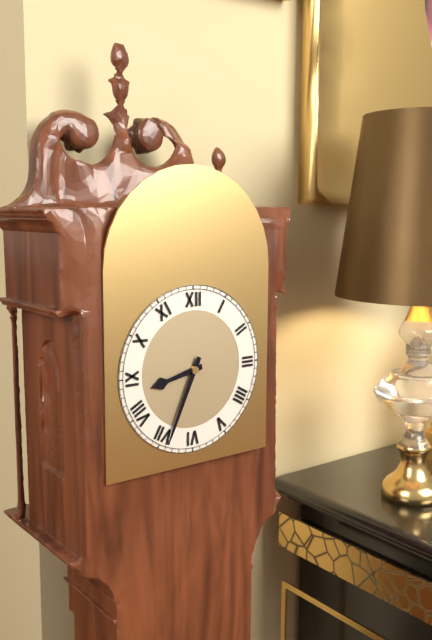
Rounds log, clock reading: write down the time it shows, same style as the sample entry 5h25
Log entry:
8h34
